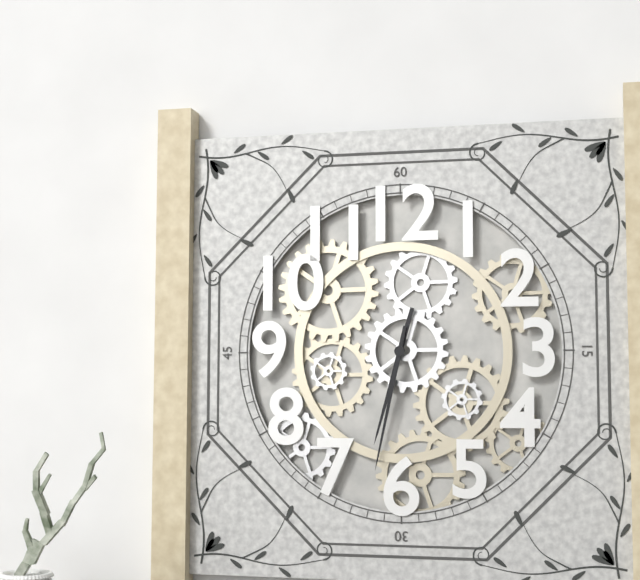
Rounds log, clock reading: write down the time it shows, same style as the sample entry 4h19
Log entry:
6h32
